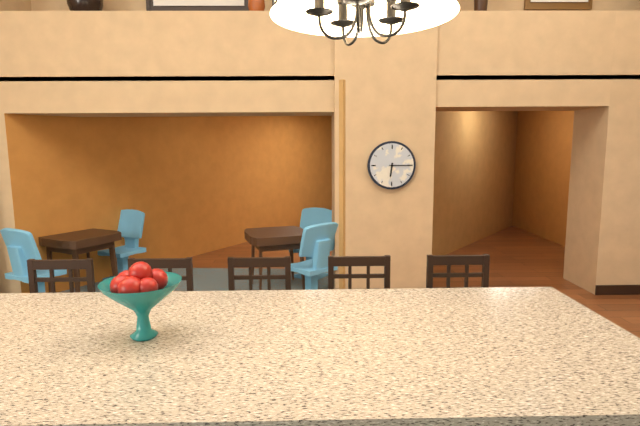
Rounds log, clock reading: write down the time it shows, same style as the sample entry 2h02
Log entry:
6h15
